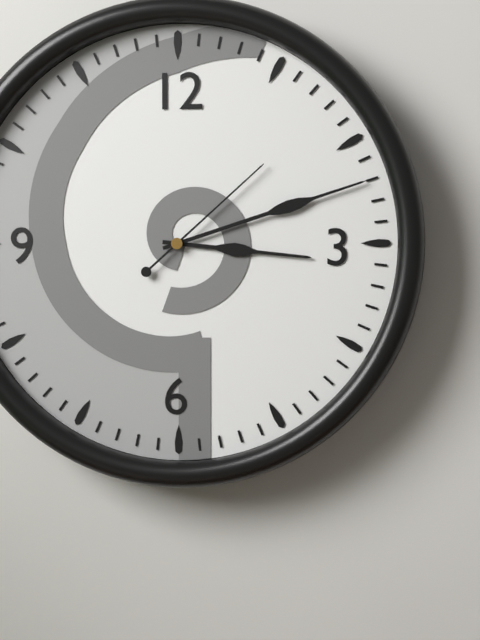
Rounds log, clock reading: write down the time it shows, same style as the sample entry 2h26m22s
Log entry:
3h12m08s
